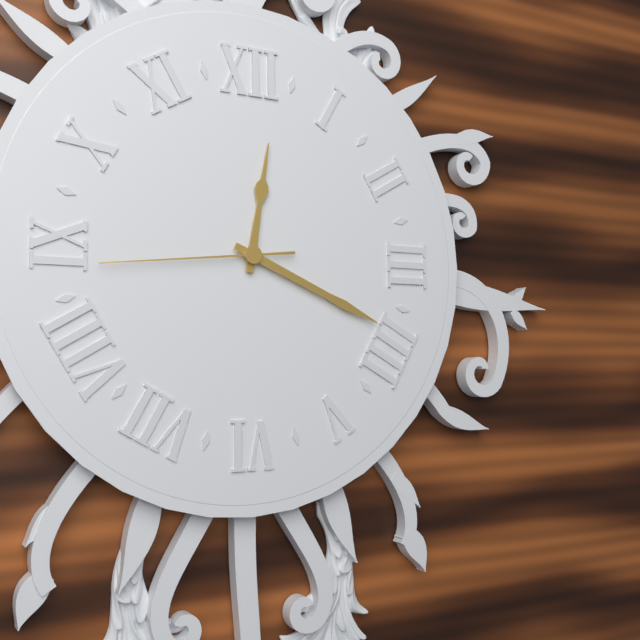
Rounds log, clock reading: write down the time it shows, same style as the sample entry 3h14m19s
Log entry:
12h19m44s
